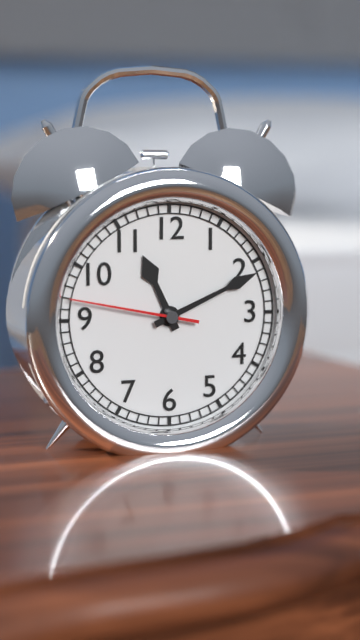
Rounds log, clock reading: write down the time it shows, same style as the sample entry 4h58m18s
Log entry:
11h11m47s
